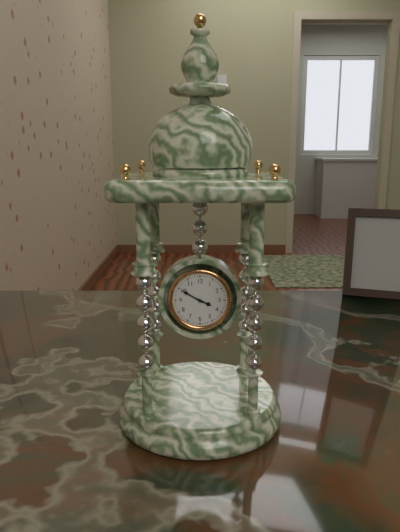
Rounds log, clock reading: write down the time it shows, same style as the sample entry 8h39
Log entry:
3h50
